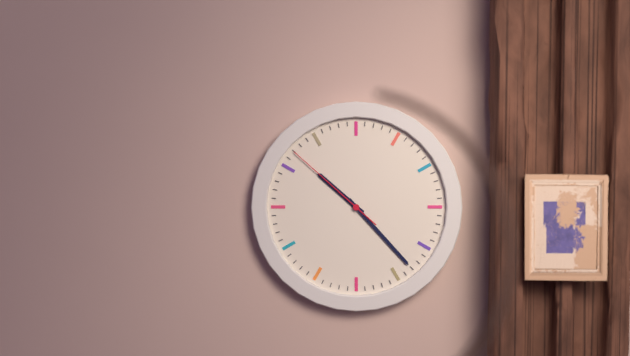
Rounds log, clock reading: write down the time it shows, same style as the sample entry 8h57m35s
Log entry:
10h23m52s
